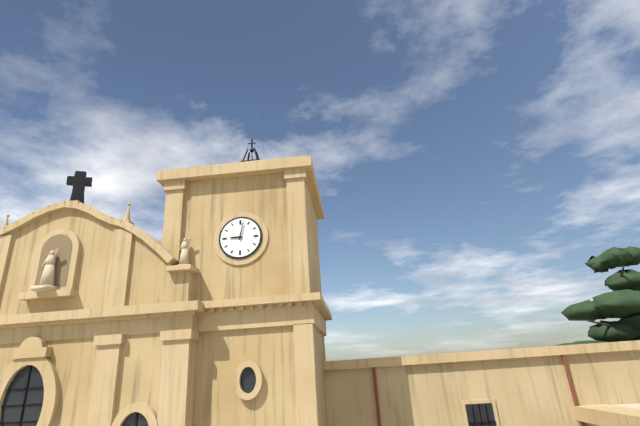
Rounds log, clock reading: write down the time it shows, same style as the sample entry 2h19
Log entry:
9h02
